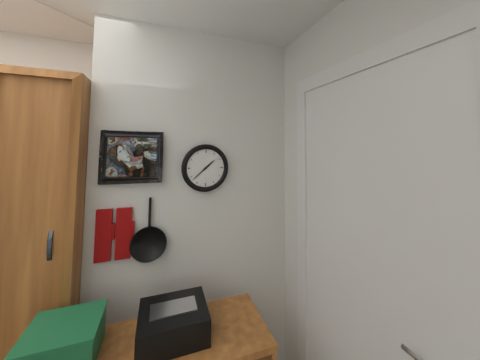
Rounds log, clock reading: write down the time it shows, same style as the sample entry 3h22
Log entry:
1h38
